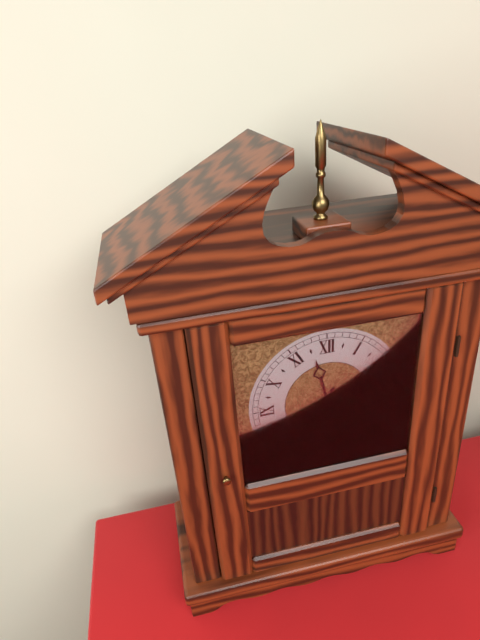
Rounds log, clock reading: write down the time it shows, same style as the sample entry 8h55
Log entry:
11h34
